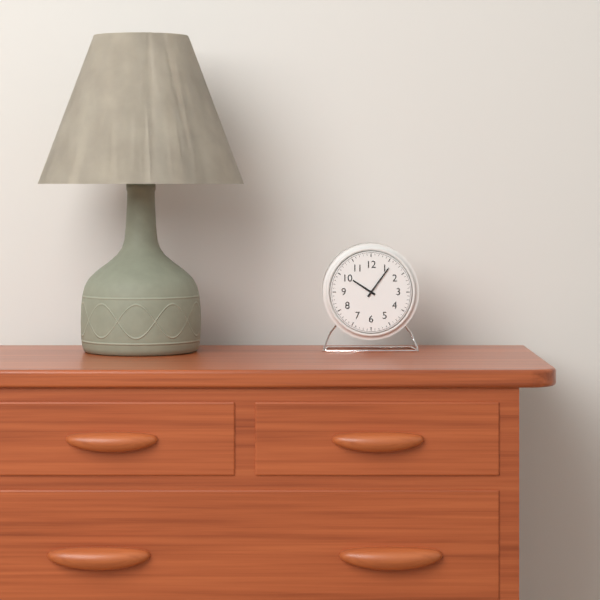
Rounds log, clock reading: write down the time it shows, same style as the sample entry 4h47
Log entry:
10h06
